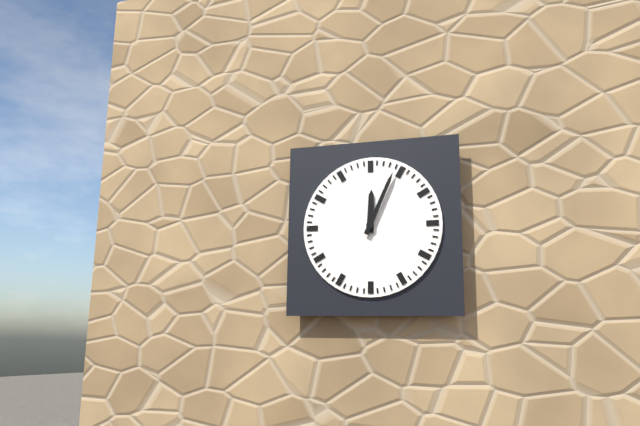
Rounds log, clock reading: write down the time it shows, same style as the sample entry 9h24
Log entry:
12h04
